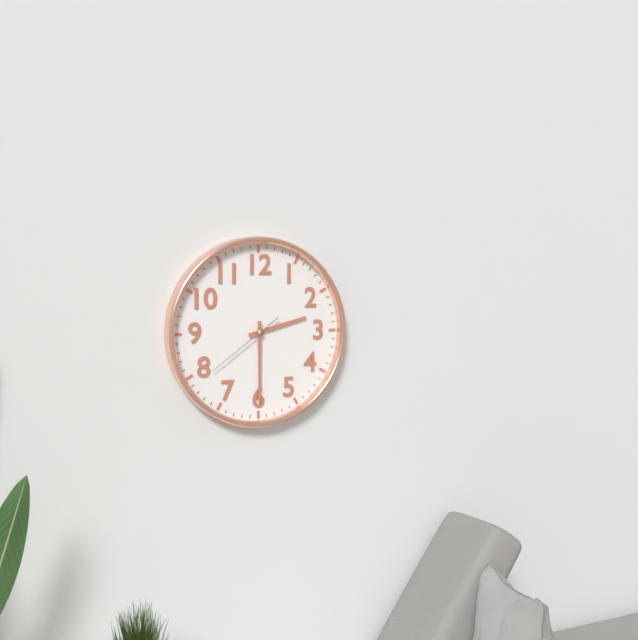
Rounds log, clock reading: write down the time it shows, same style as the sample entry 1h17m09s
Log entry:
2h30m39s
